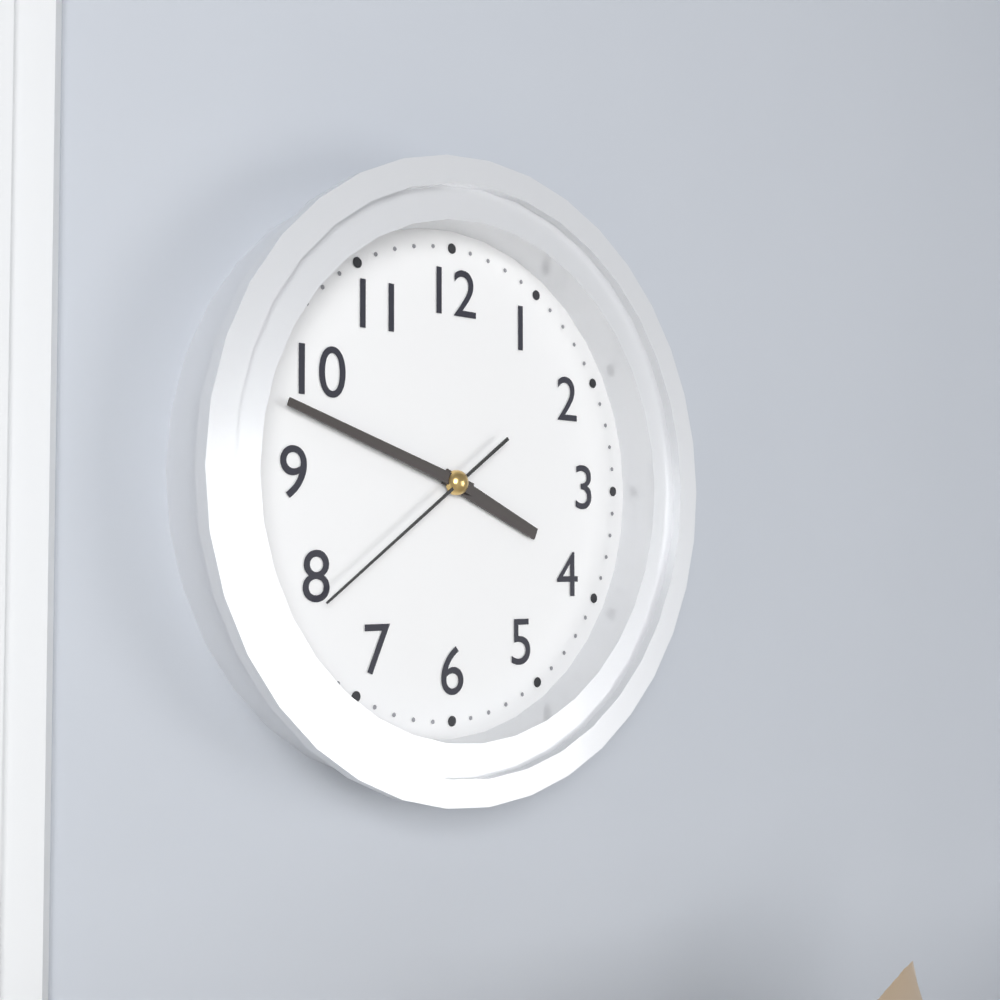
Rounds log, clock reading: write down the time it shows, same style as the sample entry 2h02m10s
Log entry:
3h48m39s
